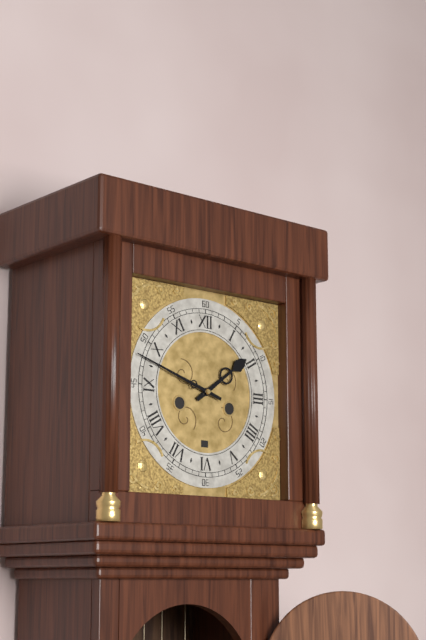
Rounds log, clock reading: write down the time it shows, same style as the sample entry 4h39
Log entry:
1h48
